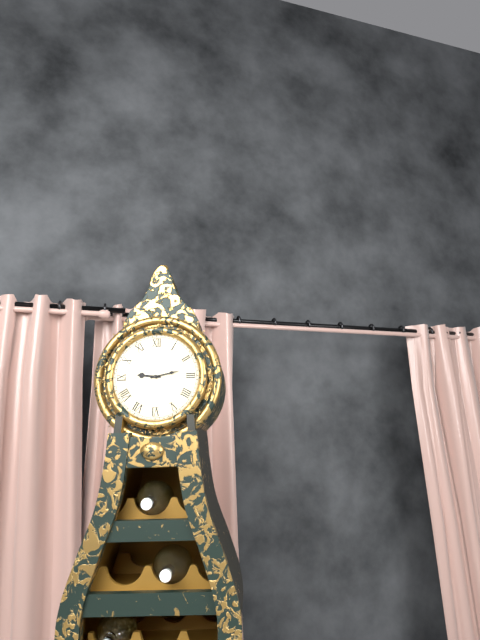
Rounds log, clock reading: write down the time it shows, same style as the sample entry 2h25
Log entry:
9h13
